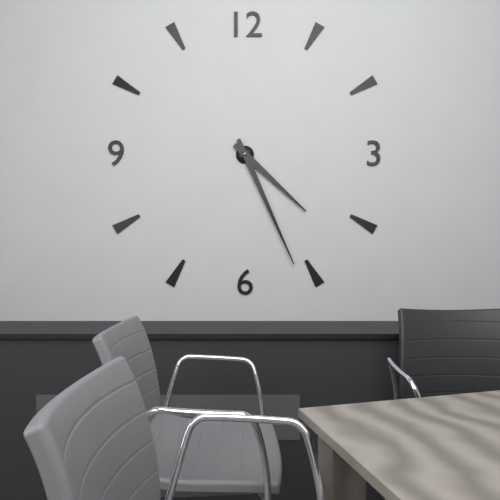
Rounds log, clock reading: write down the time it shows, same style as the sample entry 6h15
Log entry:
4h26
